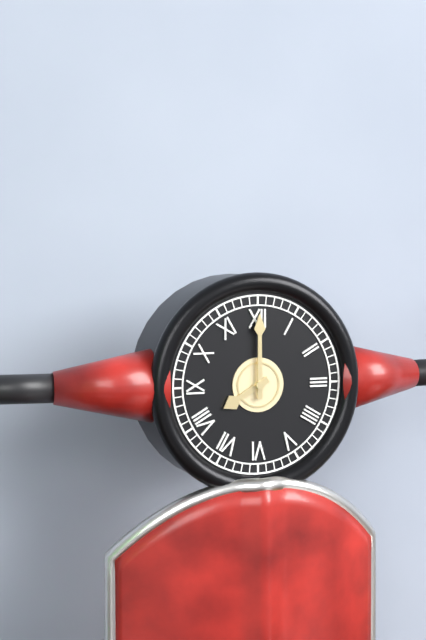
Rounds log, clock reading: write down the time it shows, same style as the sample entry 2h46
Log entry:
8h00
